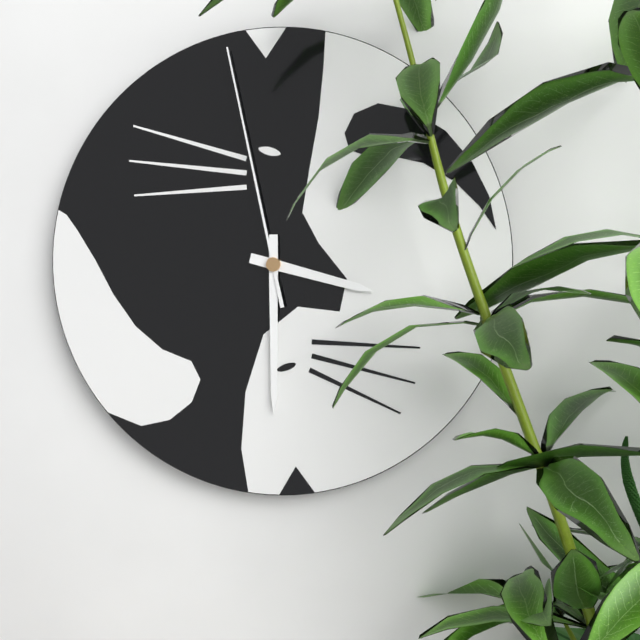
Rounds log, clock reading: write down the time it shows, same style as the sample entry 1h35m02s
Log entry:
3h30m58s
